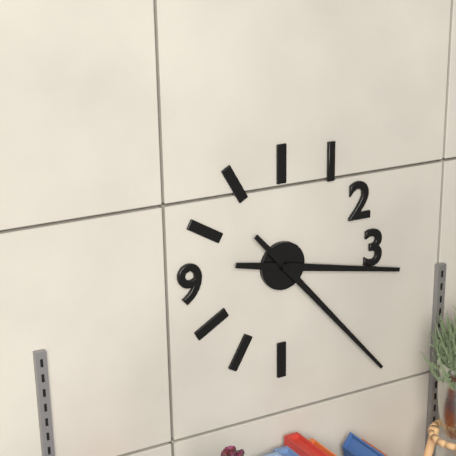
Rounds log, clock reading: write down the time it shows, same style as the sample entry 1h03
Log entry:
3h23
